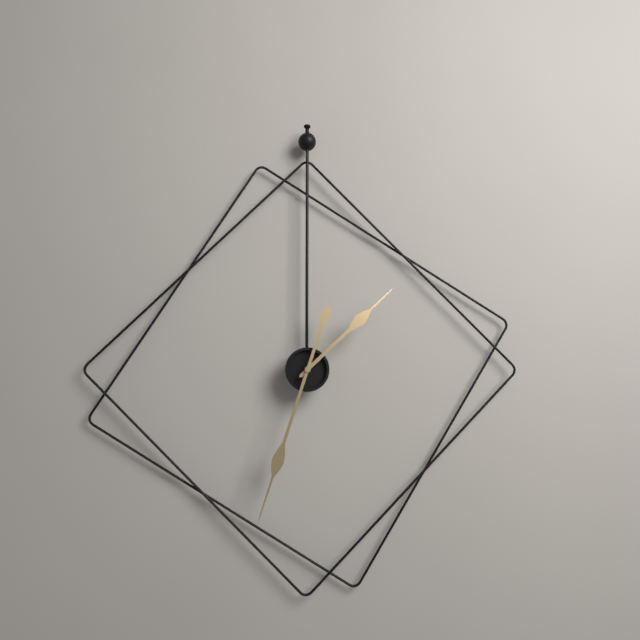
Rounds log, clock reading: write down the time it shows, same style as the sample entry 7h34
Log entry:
1h33
